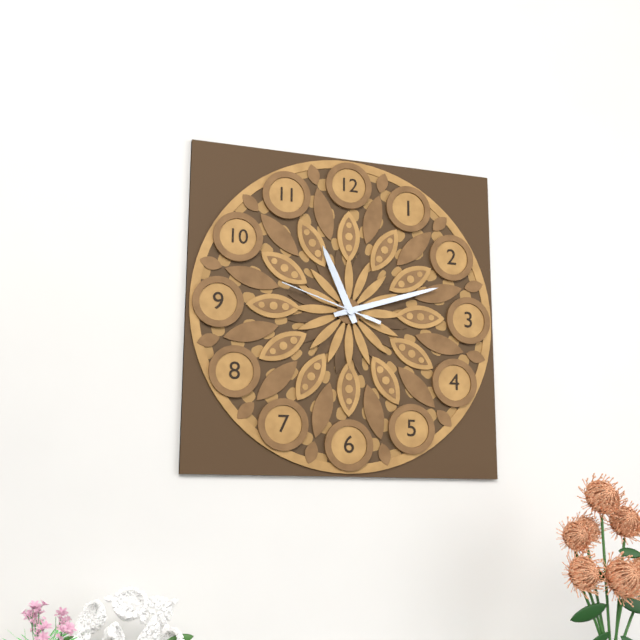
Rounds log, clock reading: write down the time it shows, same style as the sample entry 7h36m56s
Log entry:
11h12m48s
